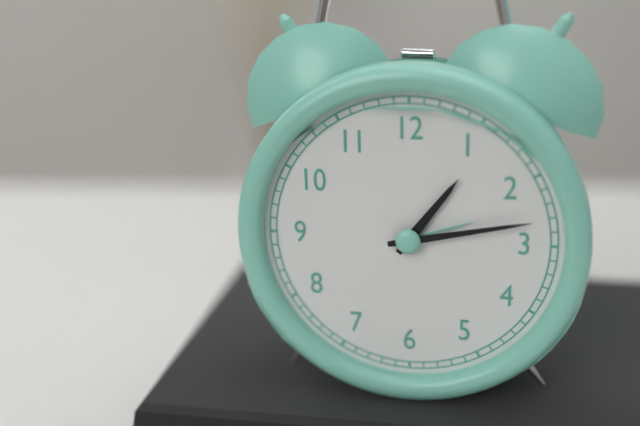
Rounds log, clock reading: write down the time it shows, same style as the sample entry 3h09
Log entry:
1h13
